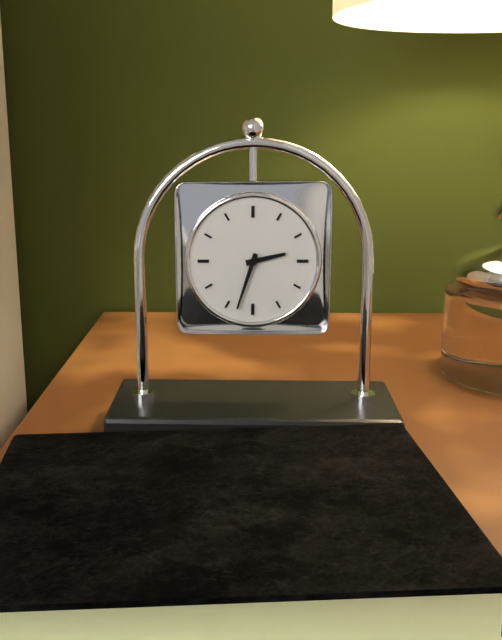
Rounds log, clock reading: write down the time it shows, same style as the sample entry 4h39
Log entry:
2h33
